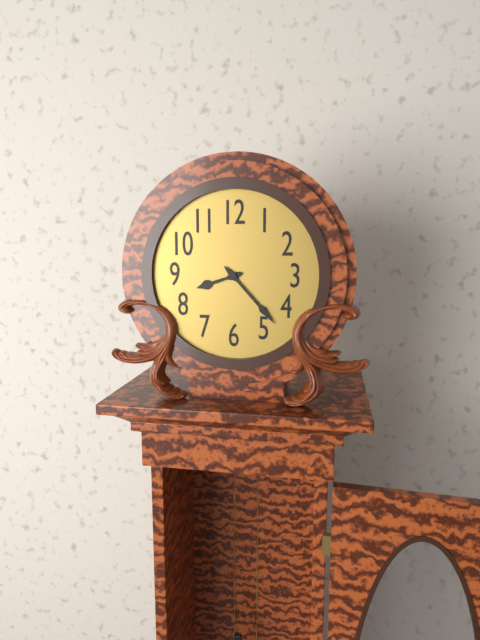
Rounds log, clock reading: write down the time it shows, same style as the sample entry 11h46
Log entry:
8h23
